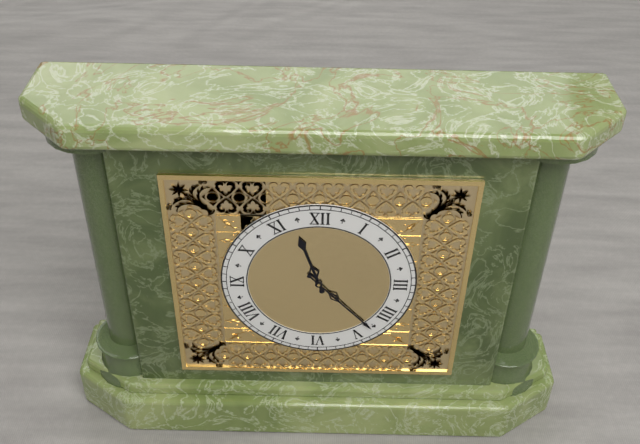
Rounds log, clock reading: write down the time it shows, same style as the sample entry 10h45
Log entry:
11h23
